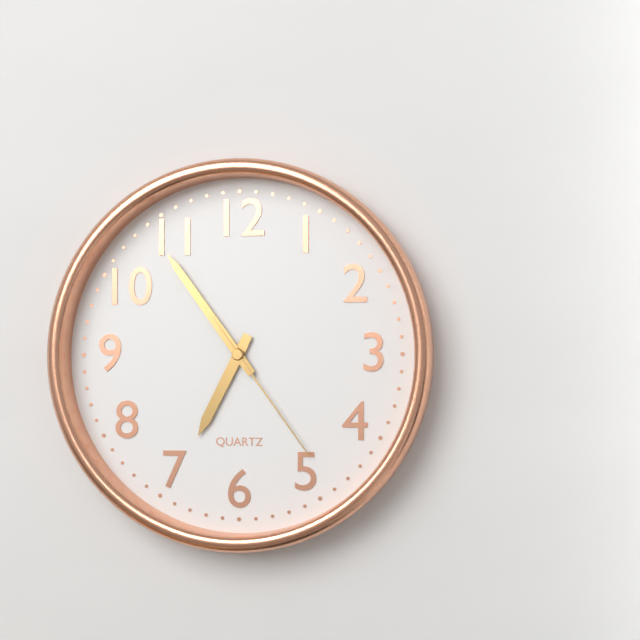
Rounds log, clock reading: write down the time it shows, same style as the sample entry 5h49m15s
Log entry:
6h54m24s
